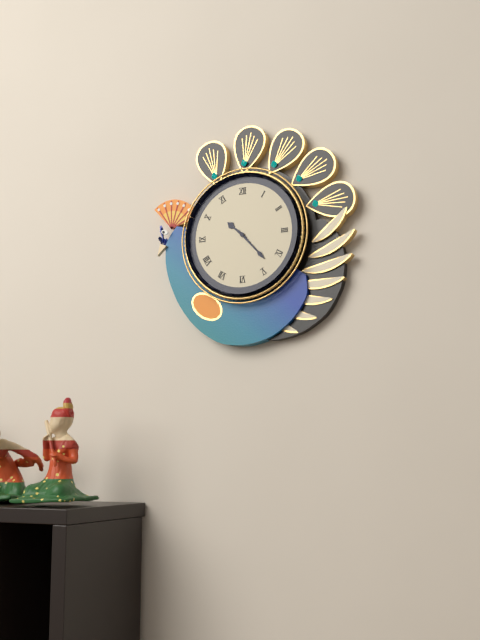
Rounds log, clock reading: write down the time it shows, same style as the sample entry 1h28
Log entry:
10h23
